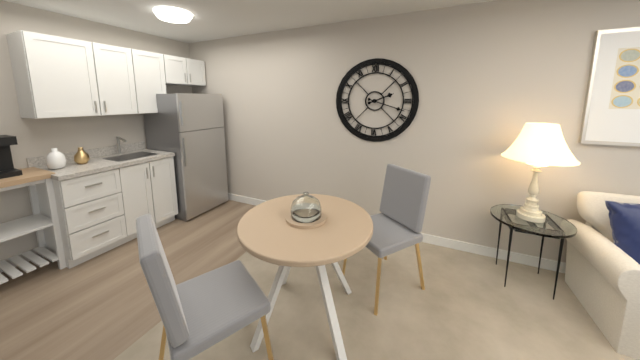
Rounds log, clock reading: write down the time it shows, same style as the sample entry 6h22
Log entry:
2h18
